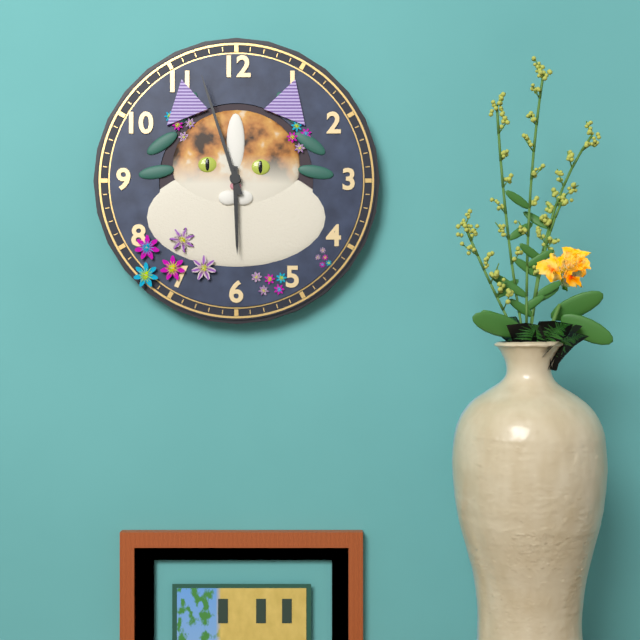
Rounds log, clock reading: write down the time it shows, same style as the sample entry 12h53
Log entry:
5h57
